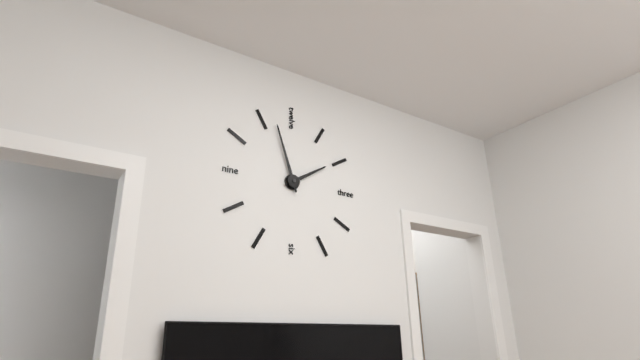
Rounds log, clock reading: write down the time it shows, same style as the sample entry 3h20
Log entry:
1h57
